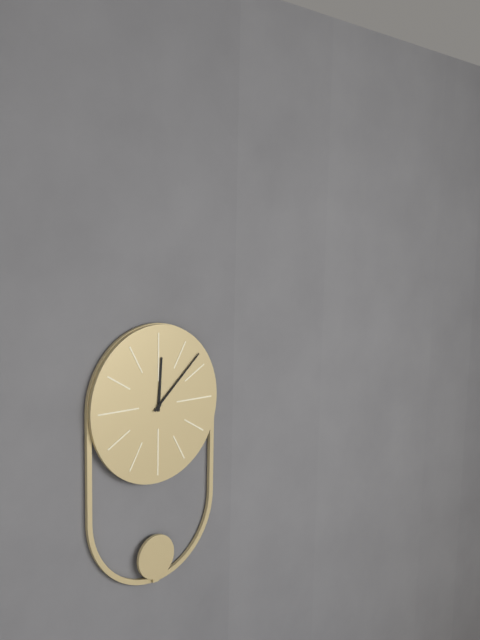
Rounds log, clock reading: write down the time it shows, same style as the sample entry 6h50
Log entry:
12h08
